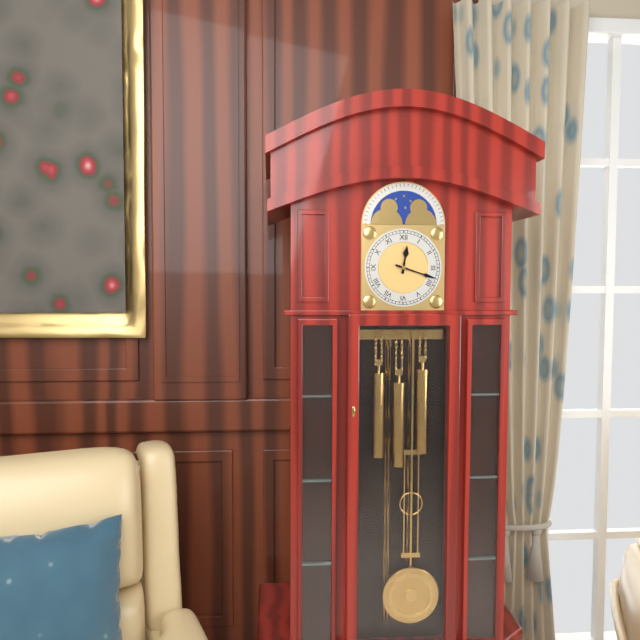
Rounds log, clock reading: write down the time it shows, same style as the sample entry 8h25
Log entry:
12h18
